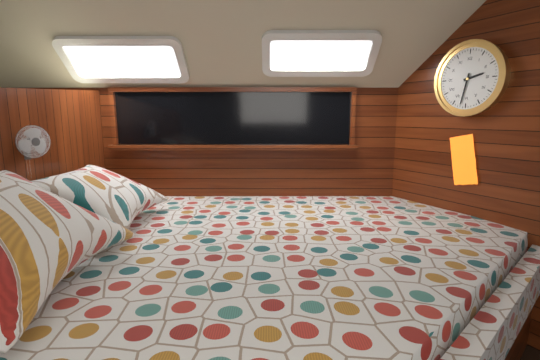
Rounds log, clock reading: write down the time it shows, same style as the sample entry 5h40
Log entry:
2h32
